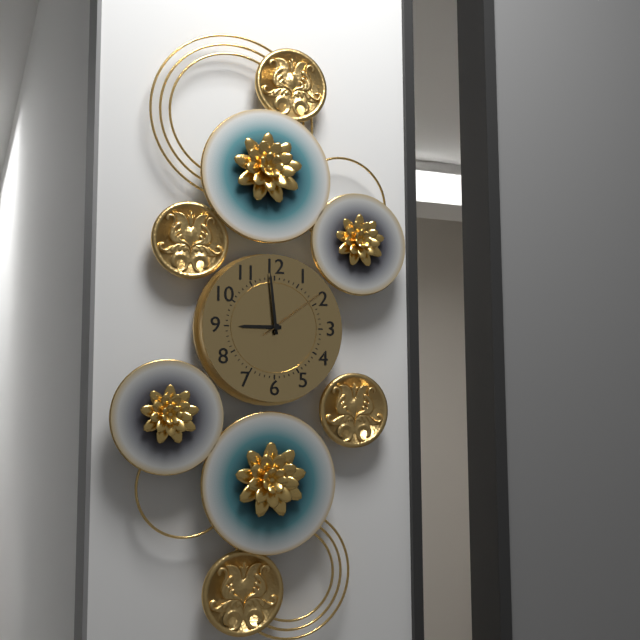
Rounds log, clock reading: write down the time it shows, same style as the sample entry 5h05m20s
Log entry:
8h59m09s
